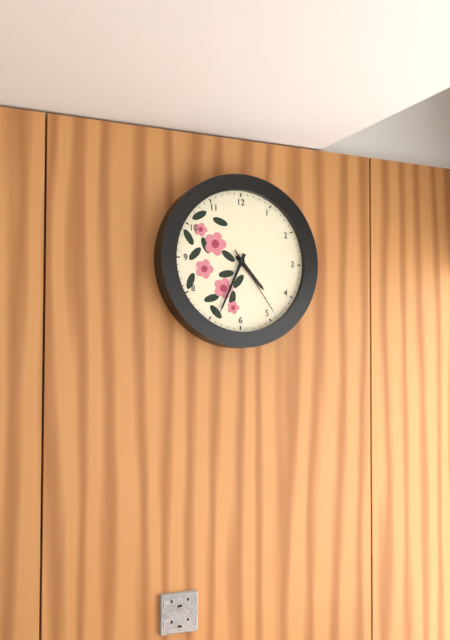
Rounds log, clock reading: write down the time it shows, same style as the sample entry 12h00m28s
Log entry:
4h34m24s
